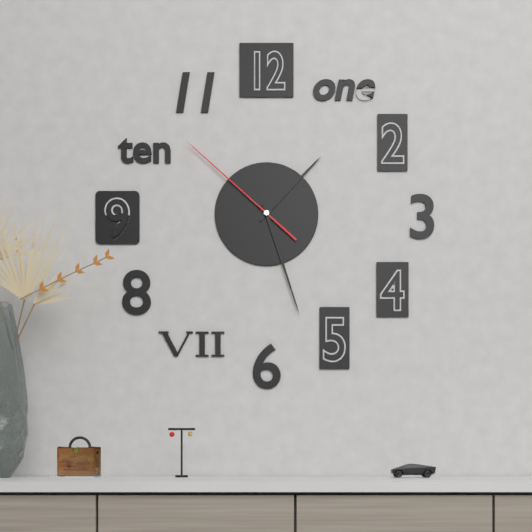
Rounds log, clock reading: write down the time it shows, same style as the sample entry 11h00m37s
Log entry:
1h27m52s
